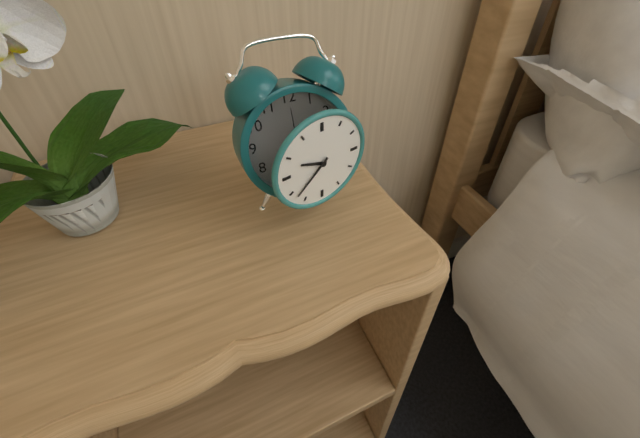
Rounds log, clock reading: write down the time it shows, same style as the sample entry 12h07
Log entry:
9h38
